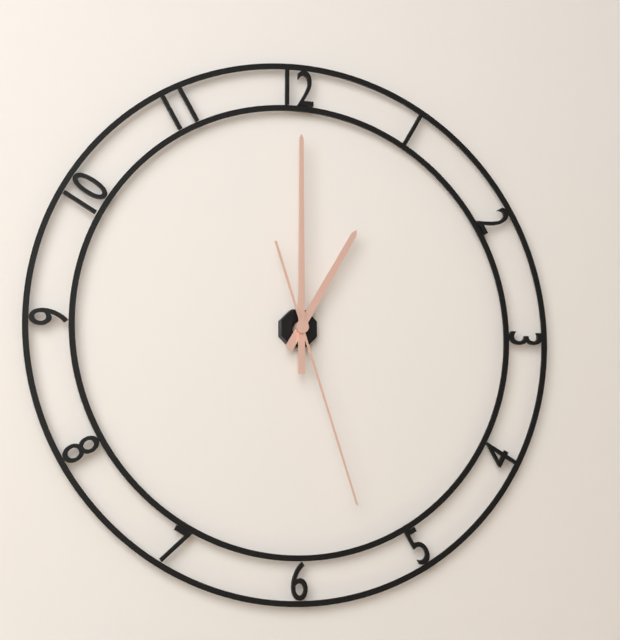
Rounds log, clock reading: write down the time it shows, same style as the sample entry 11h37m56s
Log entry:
1h00m27s
